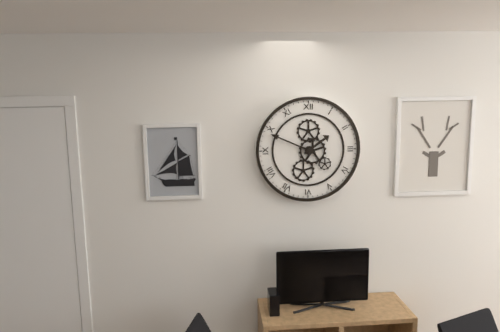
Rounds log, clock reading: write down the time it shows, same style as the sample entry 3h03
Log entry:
1h49
